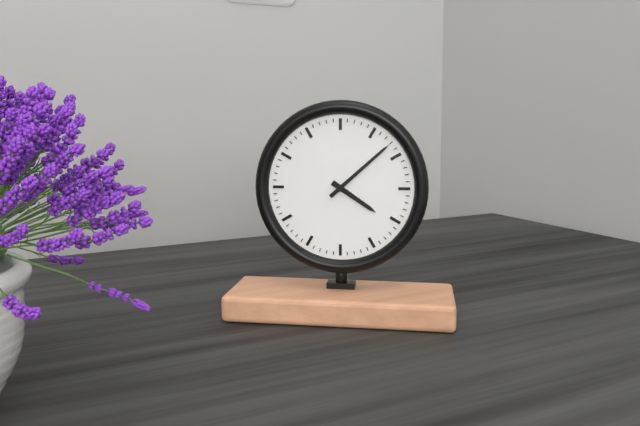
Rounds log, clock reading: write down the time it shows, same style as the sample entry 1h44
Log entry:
4h08
